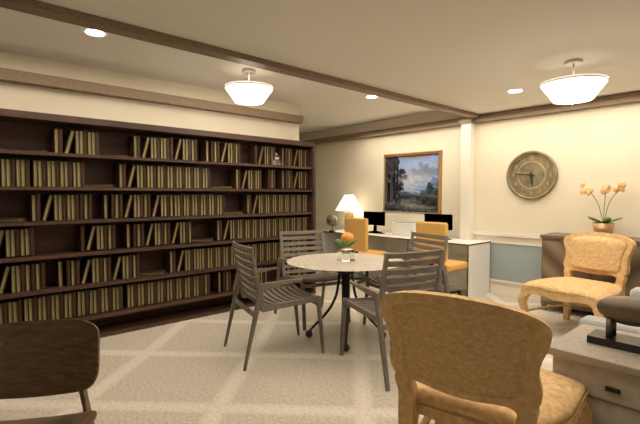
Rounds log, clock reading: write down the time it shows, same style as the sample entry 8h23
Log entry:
5h46
